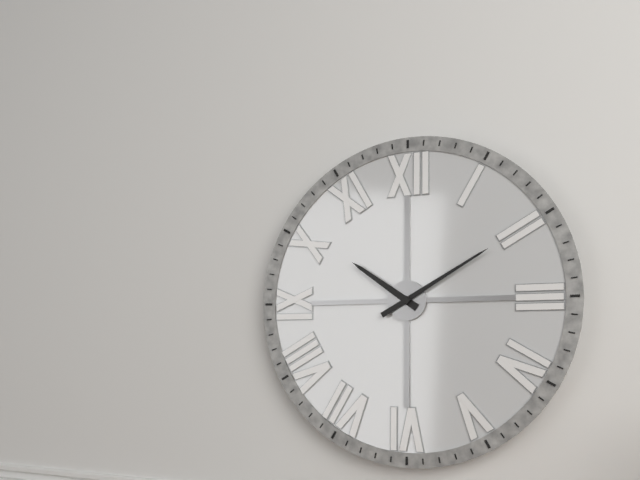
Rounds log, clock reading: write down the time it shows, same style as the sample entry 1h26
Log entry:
10h10
